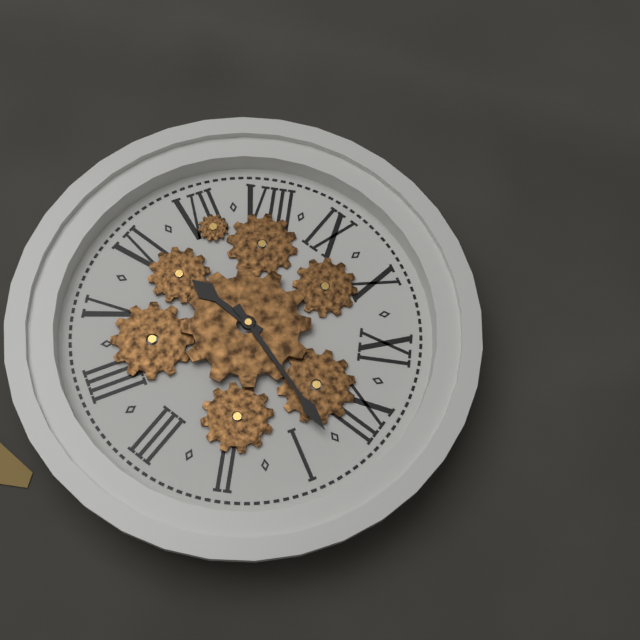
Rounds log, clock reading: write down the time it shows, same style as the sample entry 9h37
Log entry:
6h03
